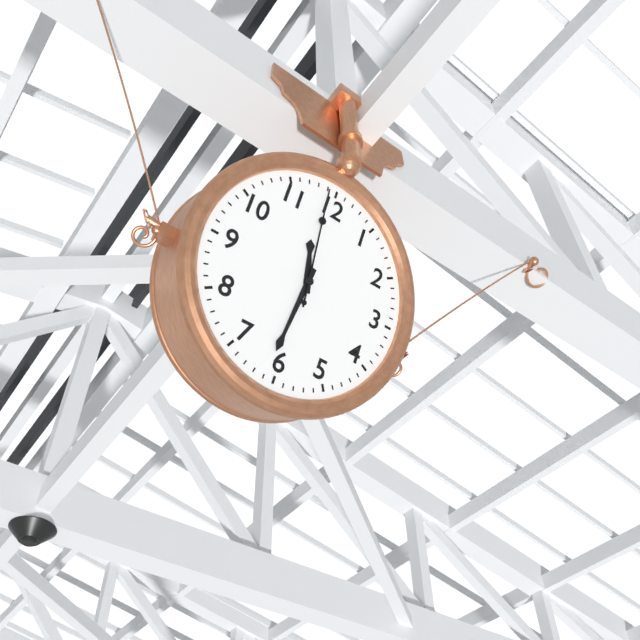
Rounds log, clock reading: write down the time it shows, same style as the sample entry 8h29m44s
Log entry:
11h31m59s
